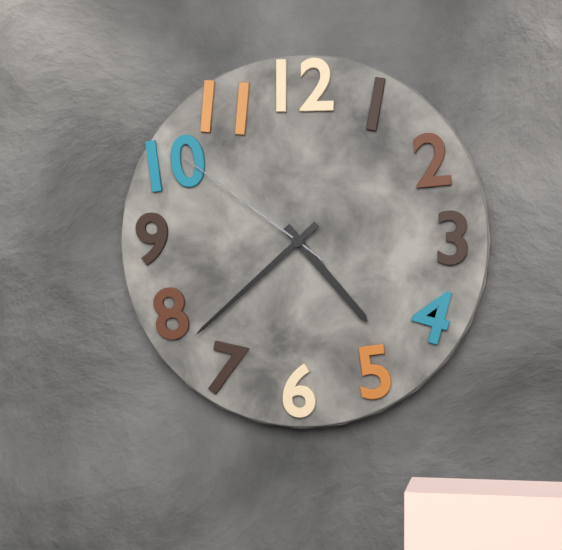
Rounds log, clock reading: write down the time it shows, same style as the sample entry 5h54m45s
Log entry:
4h38m51s
